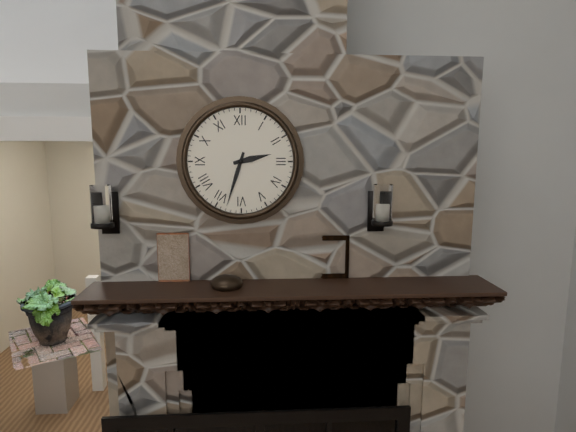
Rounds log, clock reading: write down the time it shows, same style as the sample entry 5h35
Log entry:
2h33
